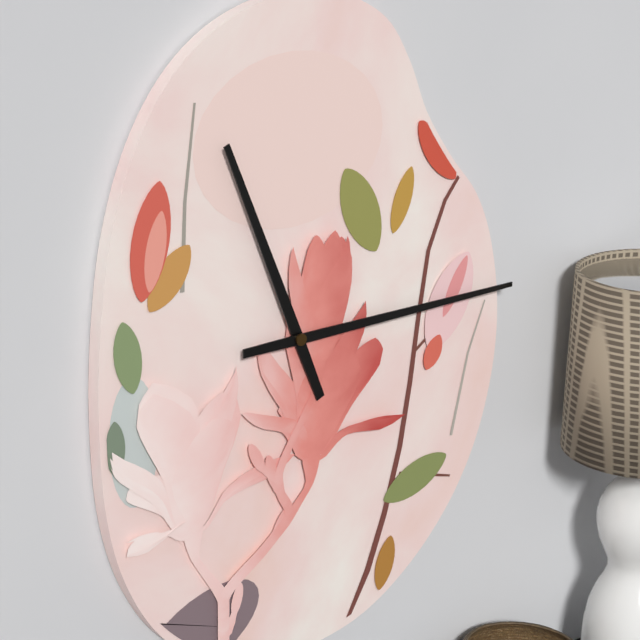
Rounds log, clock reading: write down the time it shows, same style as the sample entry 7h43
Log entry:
11h15
